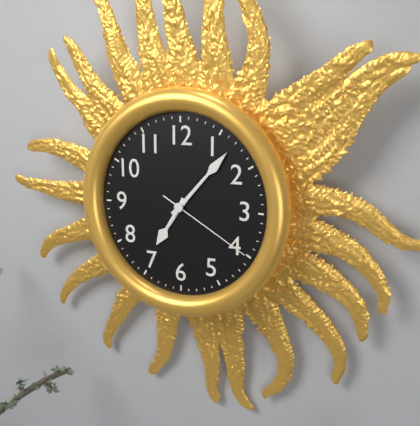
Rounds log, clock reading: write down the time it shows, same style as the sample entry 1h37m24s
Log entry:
7h07m20s
